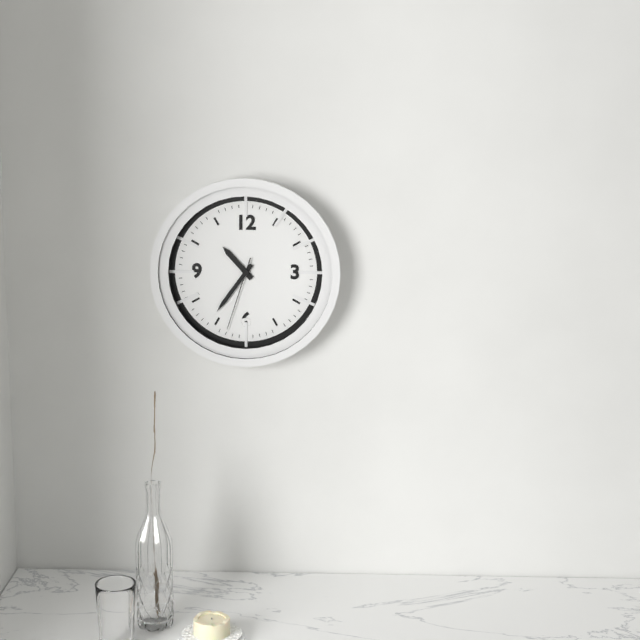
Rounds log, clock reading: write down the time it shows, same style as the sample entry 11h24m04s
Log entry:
10h36m33s
